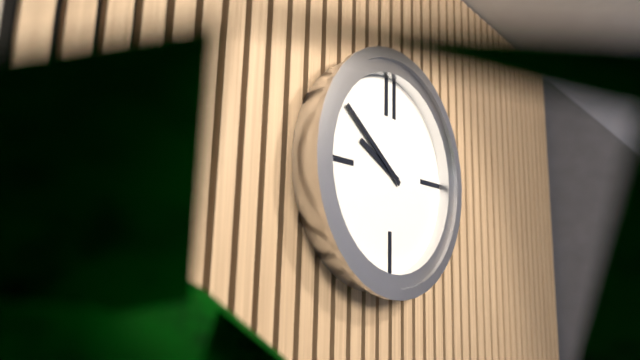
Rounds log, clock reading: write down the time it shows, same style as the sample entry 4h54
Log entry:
9h51
